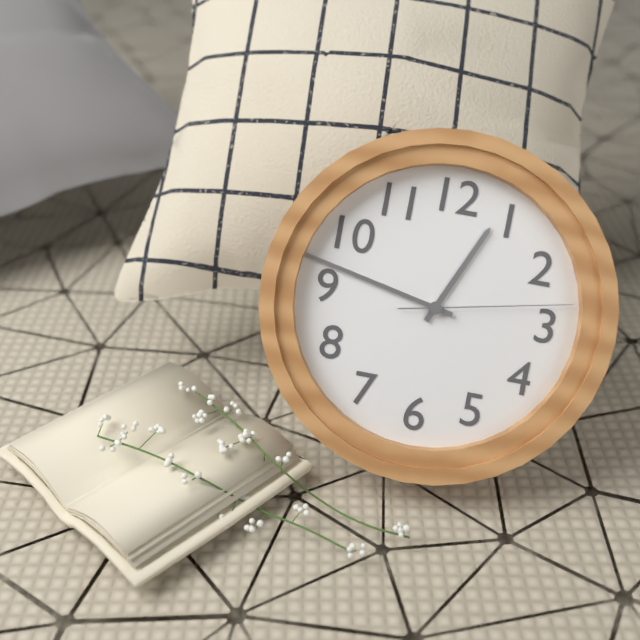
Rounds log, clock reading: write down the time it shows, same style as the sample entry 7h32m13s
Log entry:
12h47m13s
